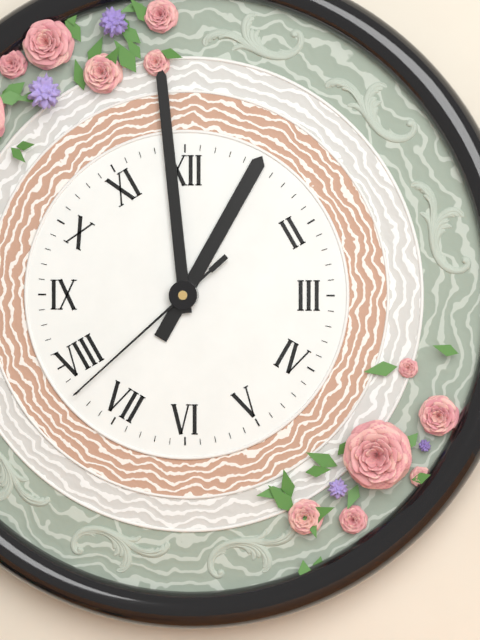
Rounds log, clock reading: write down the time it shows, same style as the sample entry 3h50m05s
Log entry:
12h59m38s
